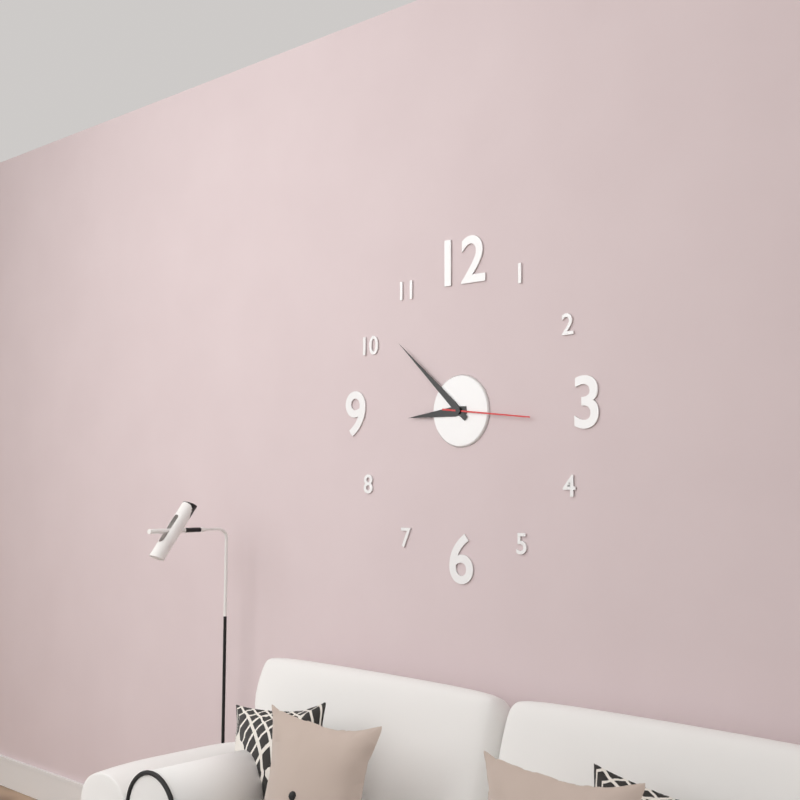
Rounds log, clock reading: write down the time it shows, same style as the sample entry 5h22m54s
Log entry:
8h52m16s
